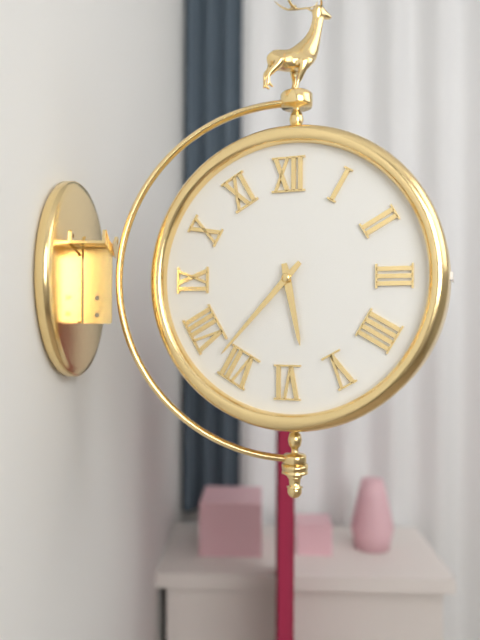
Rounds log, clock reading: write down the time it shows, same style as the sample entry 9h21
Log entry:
5h37
